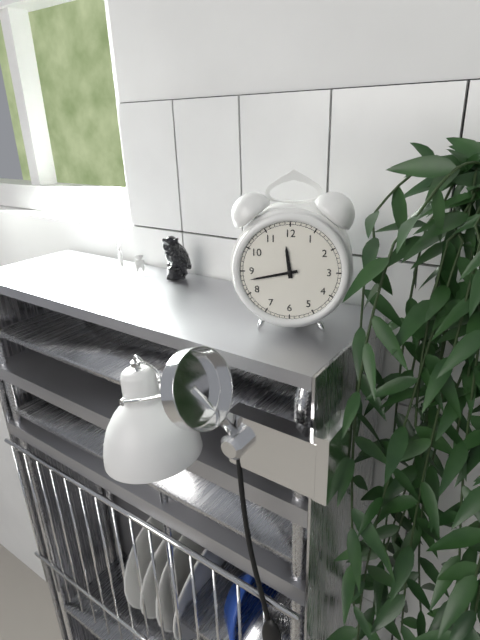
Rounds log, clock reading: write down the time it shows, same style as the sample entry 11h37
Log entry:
11h43
